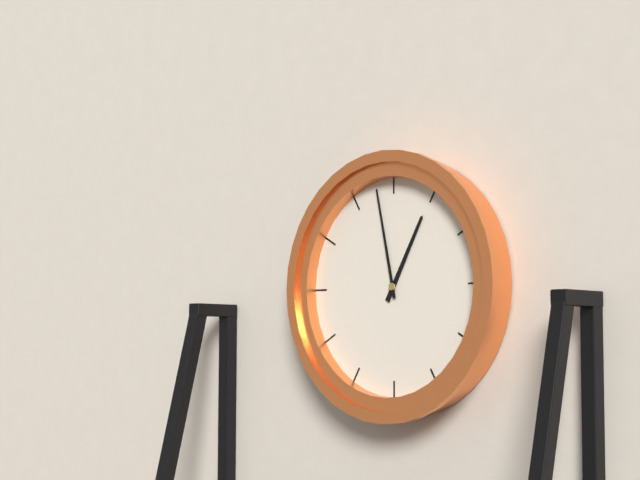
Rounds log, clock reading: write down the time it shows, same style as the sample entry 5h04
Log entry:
12h58
